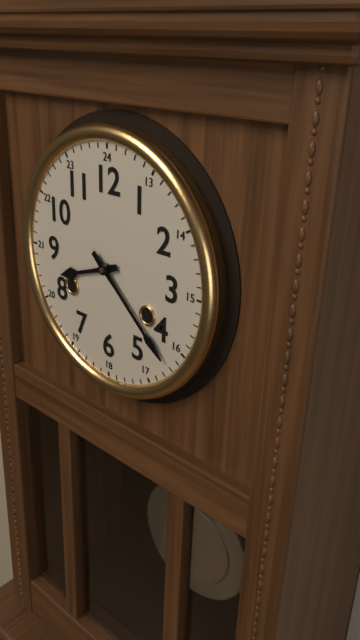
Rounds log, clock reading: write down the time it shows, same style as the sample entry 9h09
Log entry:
8h22
